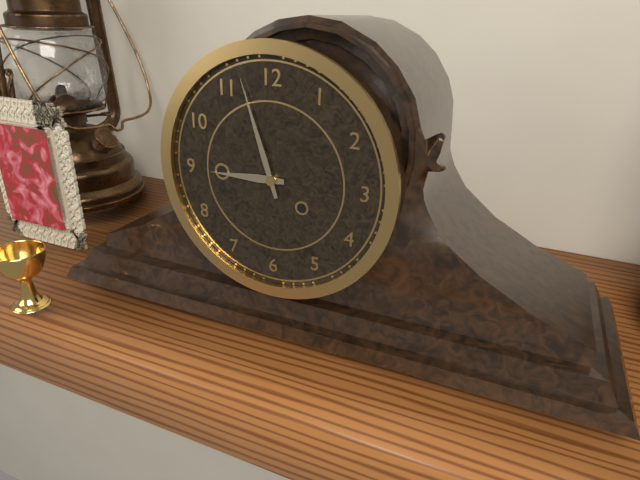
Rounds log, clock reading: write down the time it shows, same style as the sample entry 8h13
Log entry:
8h57
